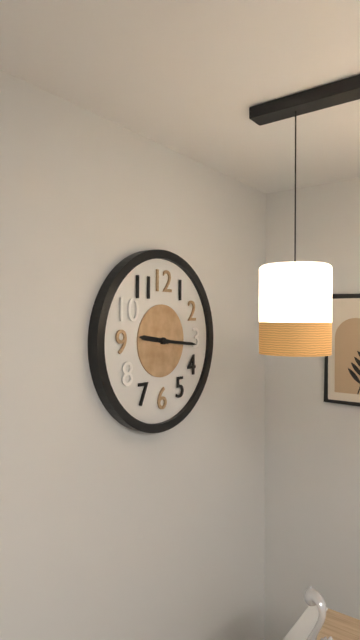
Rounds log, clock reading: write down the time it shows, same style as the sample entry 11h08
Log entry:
9h16
